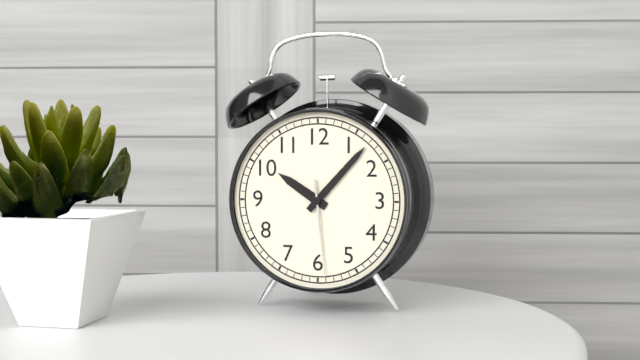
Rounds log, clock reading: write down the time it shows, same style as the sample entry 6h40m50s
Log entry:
10h07m29s
